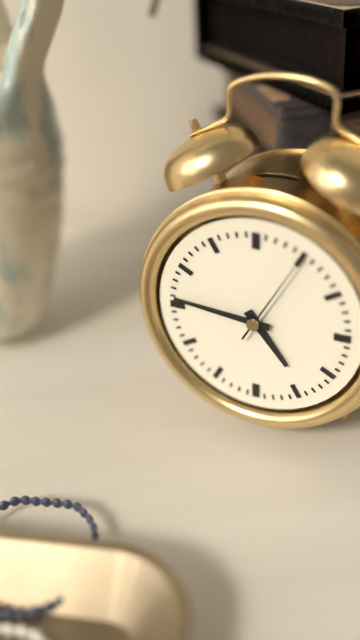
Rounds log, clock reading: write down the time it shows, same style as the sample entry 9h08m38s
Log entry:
4h46m05s
